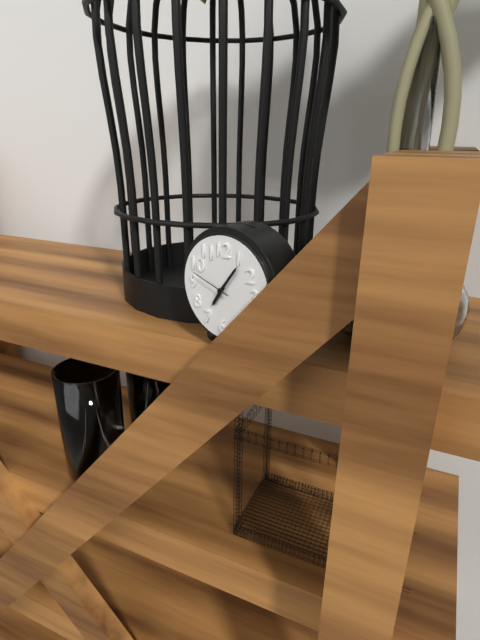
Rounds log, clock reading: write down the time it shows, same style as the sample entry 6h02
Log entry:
7h06
